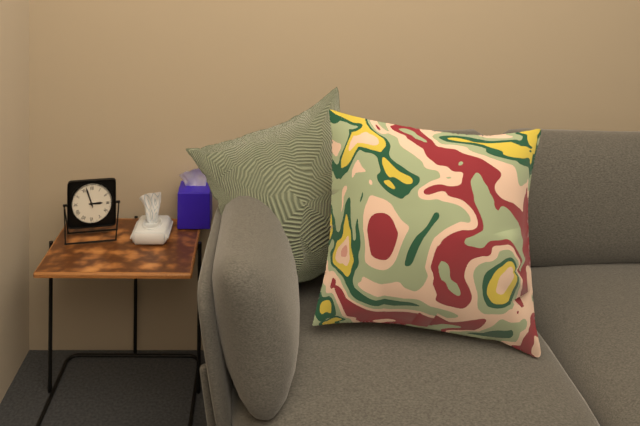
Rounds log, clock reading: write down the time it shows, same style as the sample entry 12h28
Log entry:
2h57
